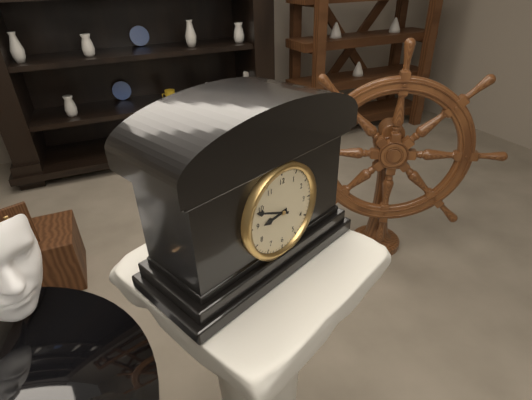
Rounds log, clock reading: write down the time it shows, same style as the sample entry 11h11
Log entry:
8h49
